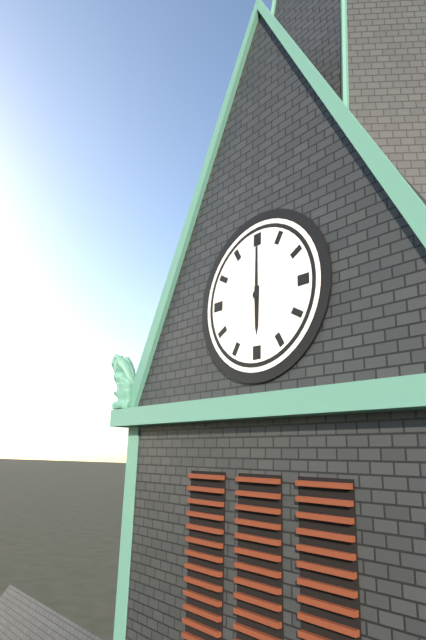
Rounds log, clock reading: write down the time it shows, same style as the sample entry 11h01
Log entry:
6h00
